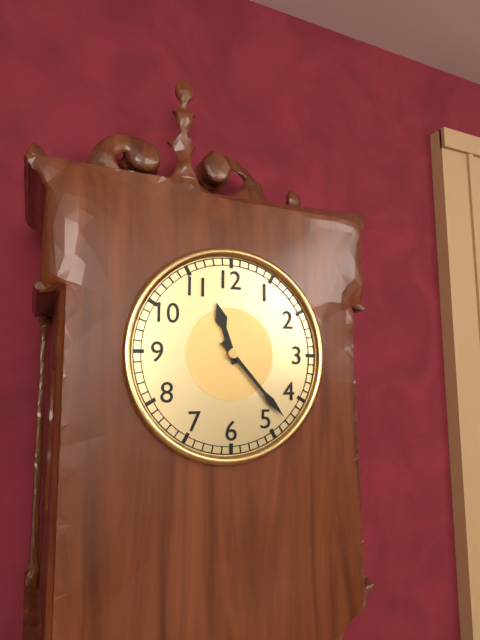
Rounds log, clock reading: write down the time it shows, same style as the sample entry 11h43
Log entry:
11h23
